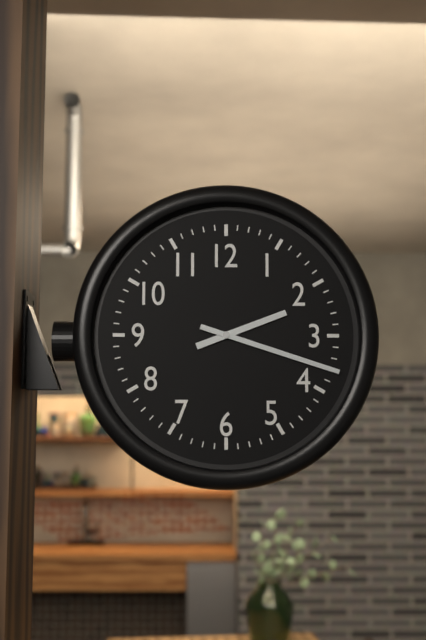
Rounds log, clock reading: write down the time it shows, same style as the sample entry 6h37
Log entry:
2h18
